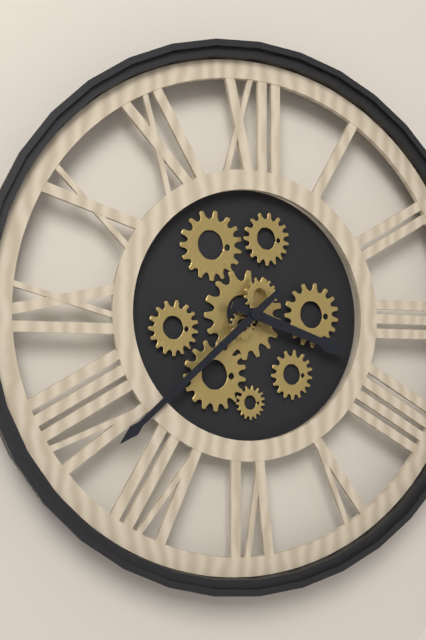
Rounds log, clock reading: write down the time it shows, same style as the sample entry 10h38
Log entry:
3h38
